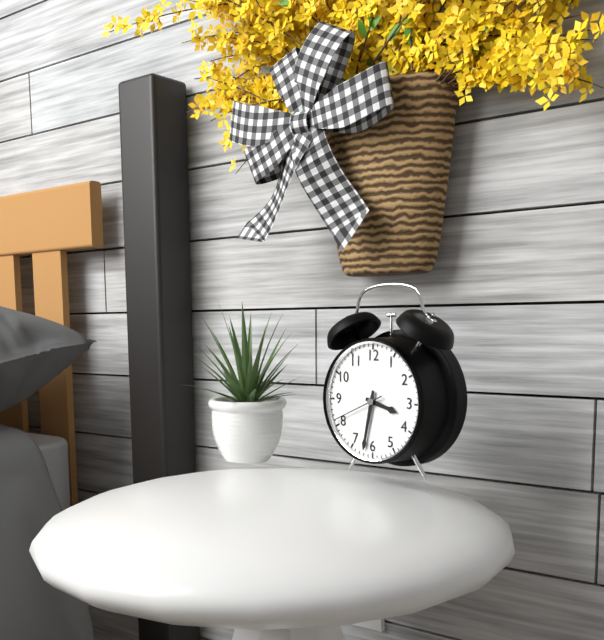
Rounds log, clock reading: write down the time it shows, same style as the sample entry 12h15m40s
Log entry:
3h32m41s
